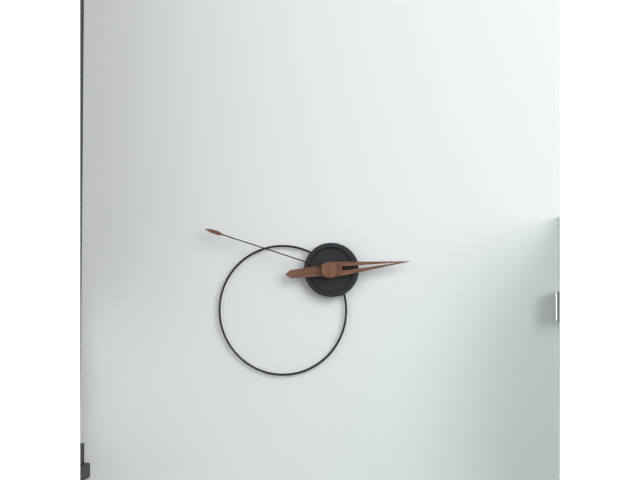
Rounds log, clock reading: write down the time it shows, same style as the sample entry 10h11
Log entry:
2h48
